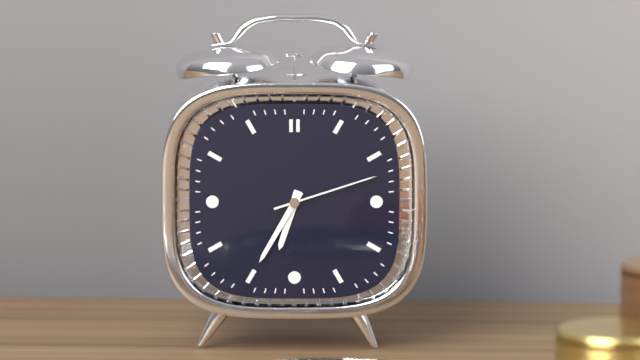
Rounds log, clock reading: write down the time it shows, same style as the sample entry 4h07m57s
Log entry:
6h35m12s
